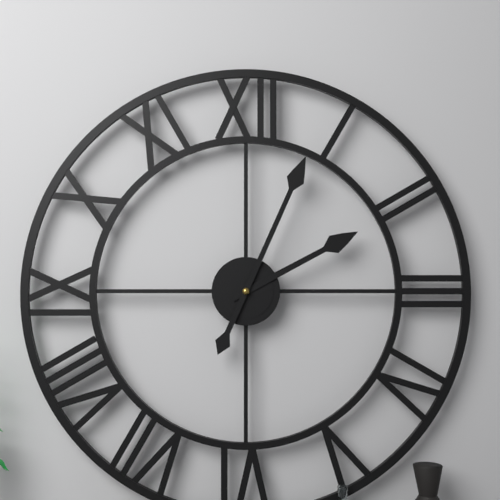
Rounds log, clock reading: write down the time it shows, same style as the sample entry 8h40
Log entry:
2h04
